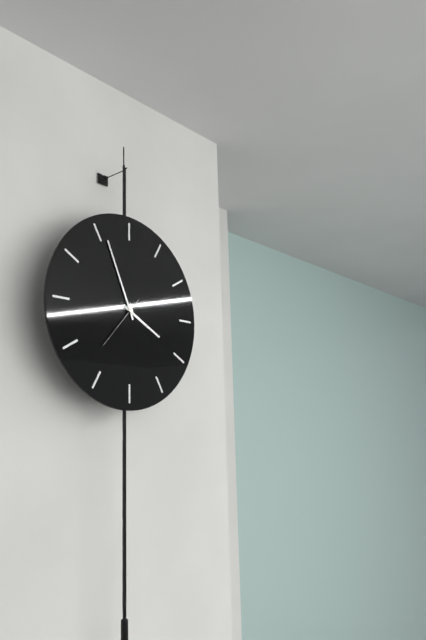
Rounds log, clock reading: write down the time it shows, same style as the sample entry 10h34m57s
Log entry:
3h56m37s
